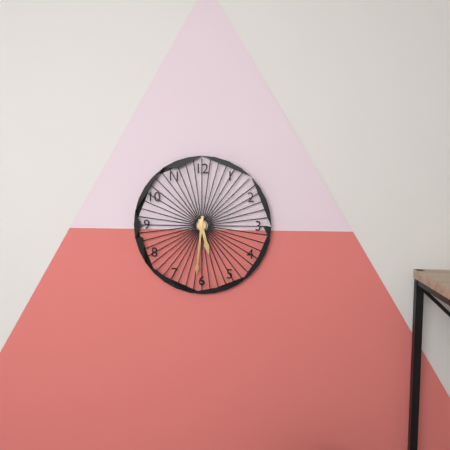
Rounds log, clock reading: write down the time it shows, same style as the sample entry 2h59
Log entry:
5h31
